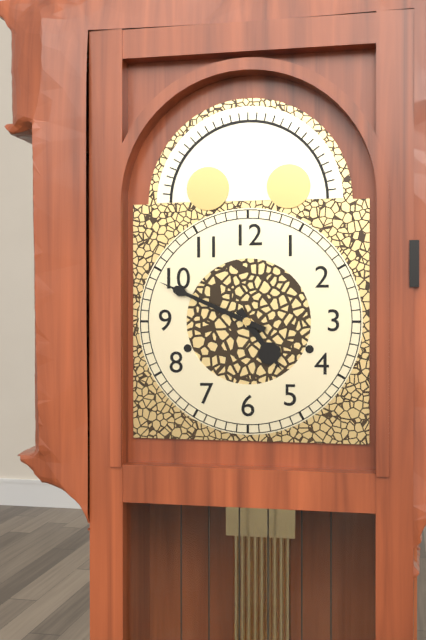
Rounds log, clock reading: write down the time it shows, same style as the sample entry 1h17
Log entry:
4h49
